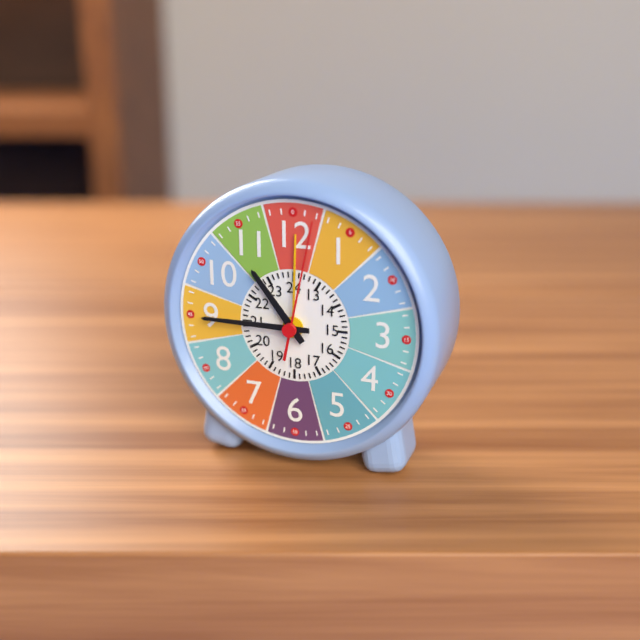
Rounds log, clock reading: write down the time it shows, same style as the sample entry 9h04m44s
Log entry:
10h45m02s
